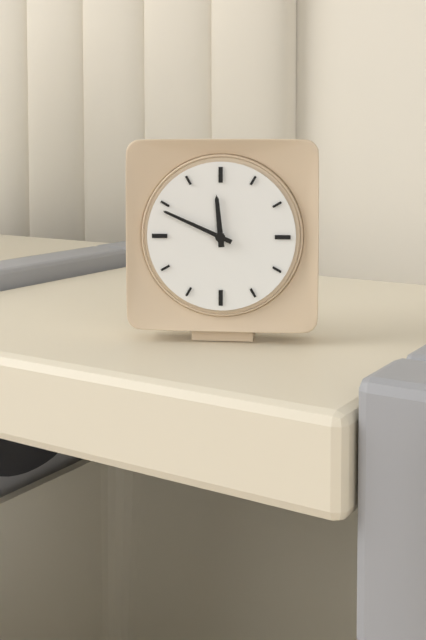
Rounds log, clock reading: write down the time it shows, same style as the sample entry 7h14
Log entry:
11h49
